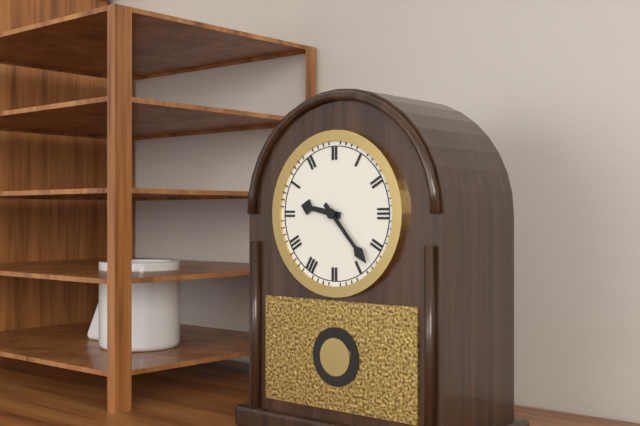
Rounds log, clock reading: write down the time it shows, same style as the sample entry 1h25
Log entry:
9h23
